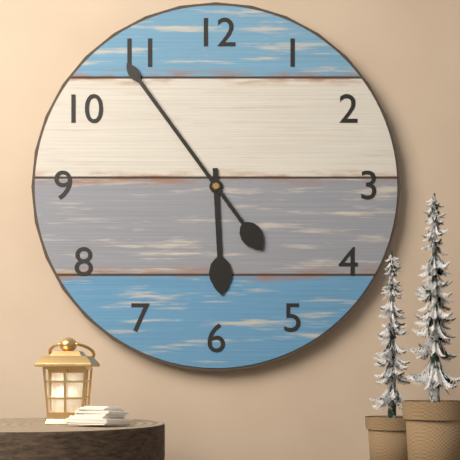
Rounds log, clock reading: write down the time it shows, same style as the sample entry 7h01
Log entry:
5h54
